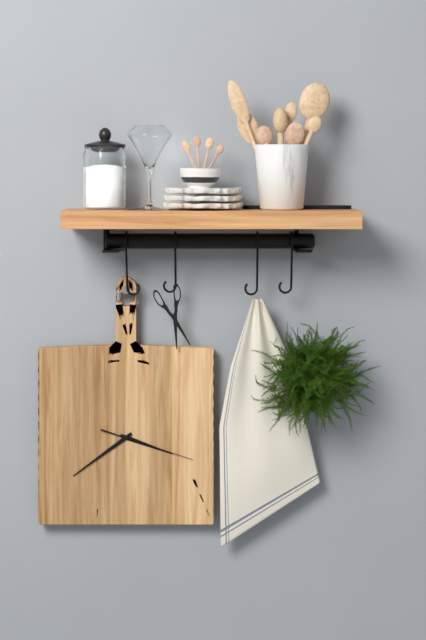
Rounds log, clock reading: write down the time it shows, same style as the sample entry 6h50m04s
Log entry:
3h39m18s
